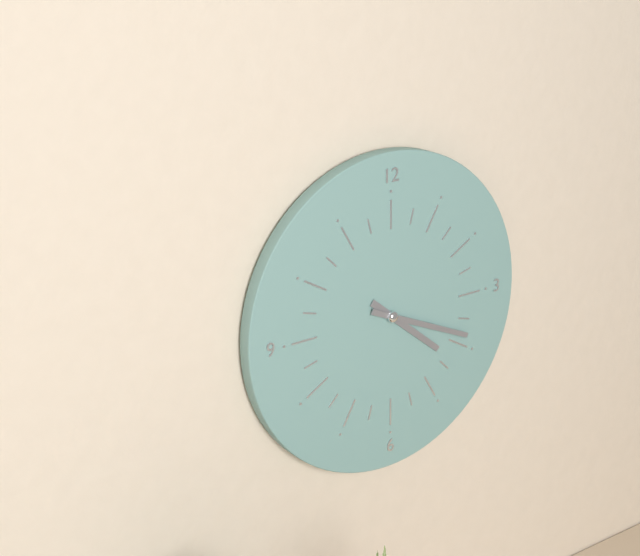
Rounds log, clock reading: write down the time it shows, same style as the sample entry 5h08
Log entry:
4h19
